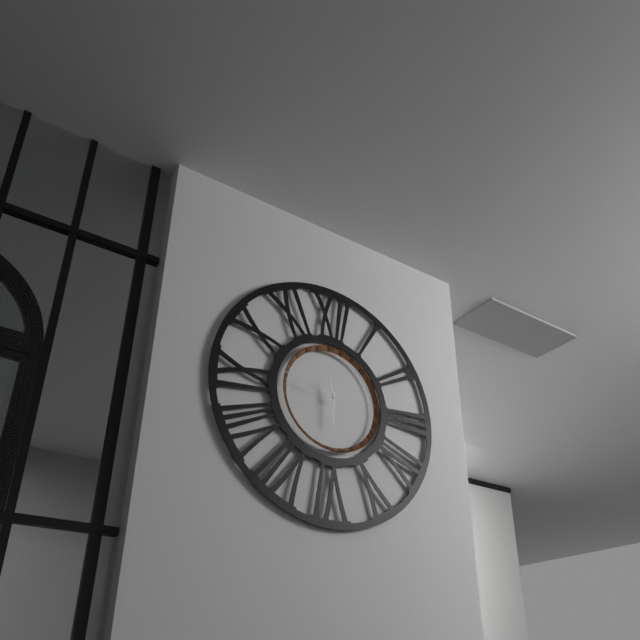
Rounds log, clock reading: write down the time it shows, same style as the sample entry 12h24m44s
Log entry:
11h30m47s
